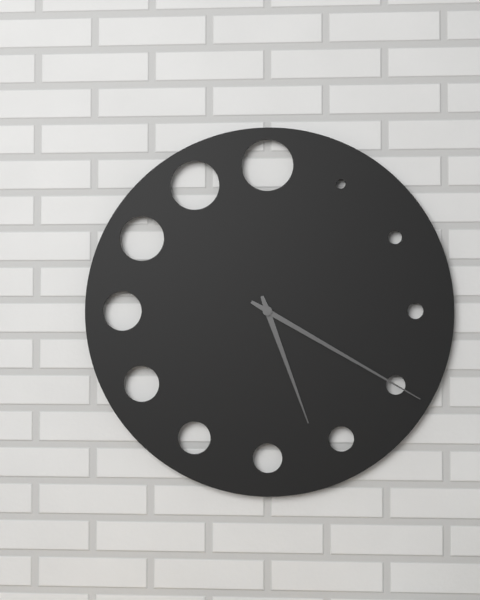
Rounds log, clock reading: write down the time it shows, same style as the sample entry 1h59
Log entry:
5h20
